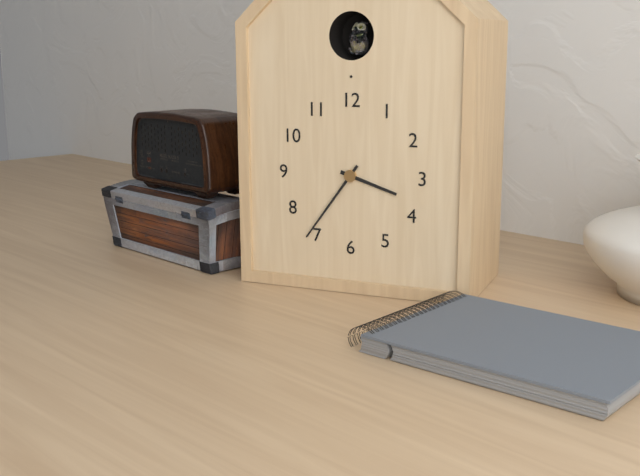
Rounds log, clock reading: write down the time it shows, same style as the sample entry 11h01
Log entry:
3h36
